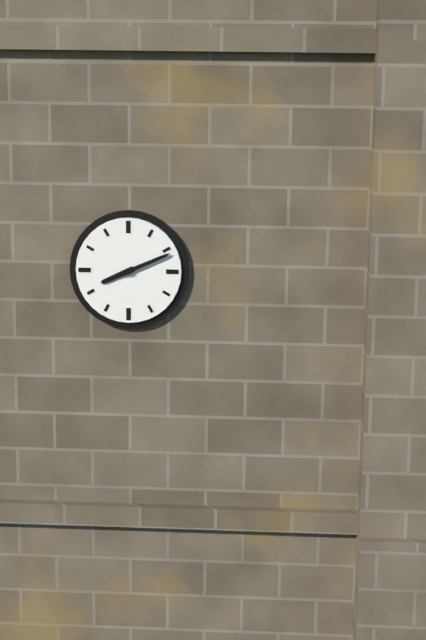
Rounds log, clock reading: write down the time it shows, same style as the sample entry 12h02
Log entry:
8h11
